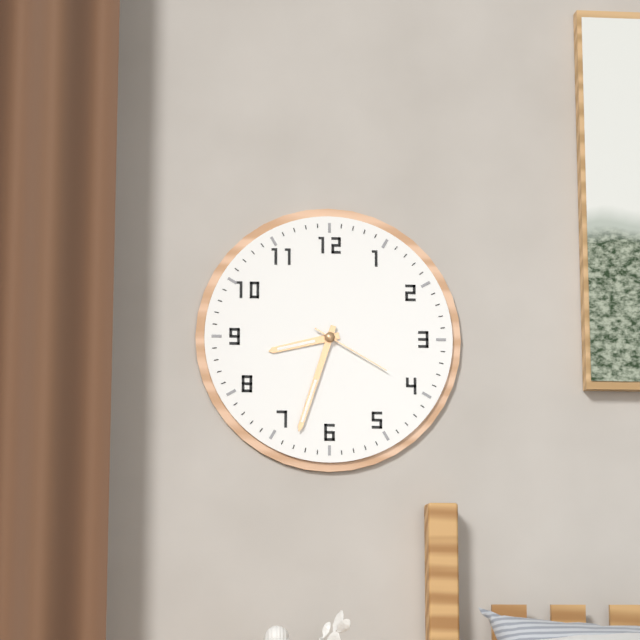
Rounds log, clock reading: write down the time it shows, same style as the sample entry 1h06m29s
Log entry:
8h33m20s
